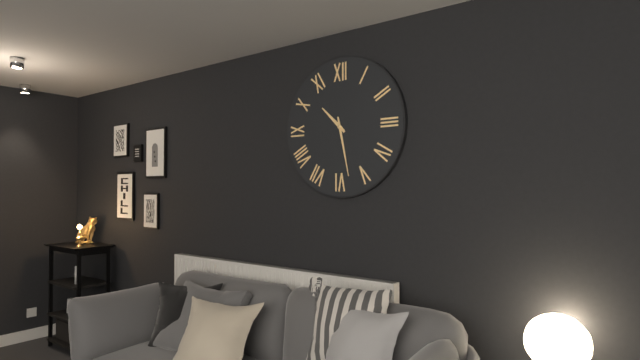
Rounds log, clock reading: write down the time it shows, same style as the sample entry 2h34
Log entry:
10h28
